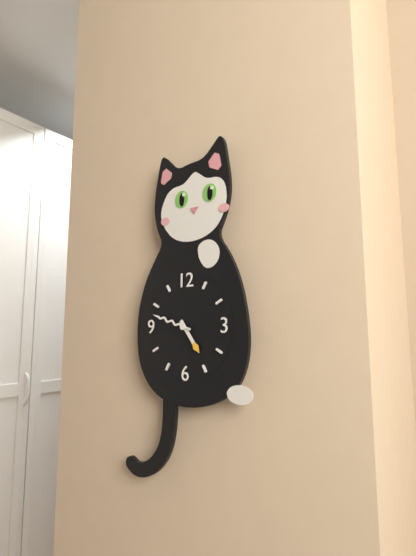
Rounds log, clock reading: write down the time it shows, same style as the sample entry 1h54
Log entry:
4h48
